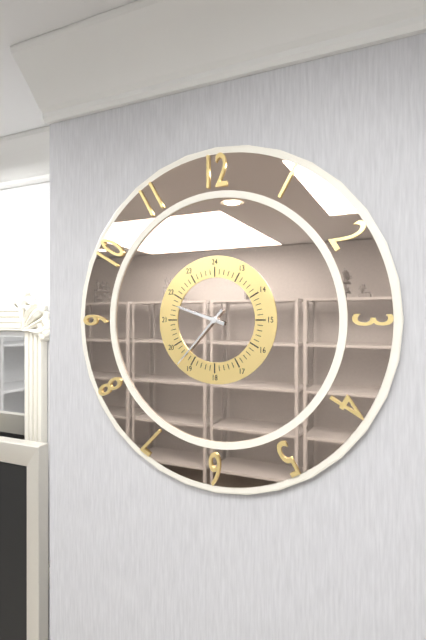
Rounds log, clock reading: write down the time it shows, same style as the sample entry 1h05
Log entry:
9h37
